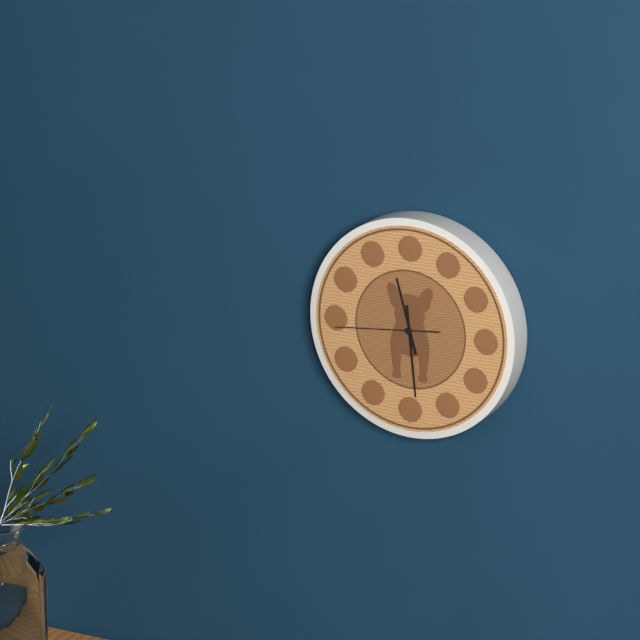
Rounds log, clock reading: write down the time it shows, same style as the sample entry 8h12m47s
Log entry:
11h29m44s
